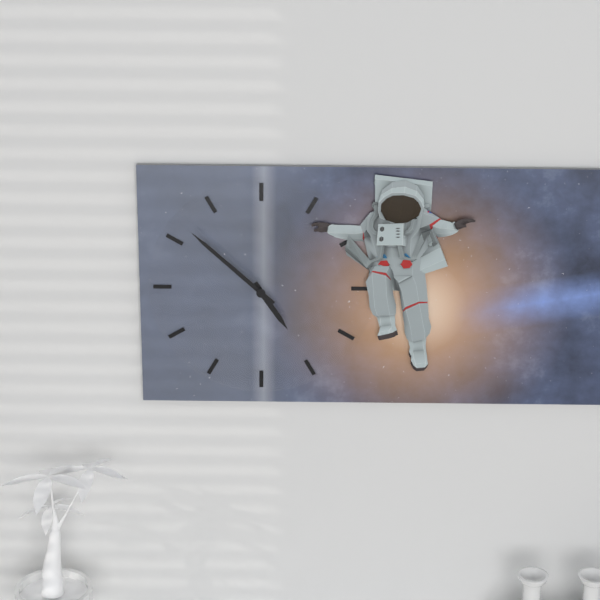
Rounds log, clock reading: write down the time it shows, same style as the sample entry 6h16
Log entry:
4h52
